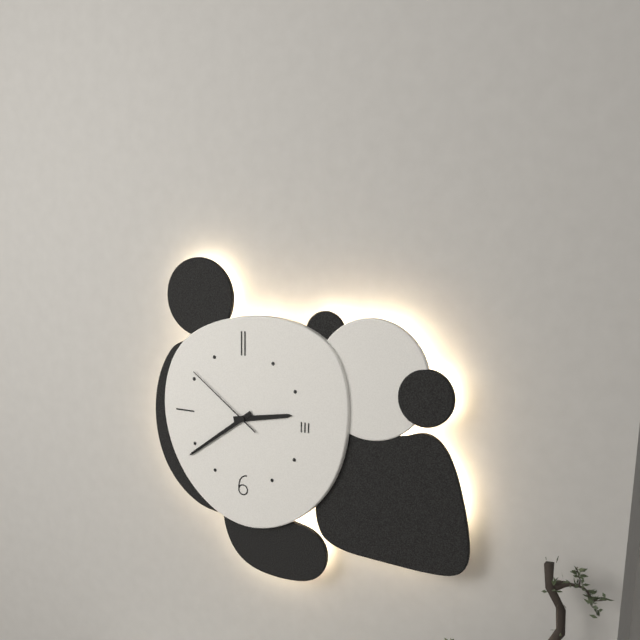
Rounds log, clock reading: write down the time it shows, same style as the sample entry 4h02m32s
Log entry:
2h39m51s
